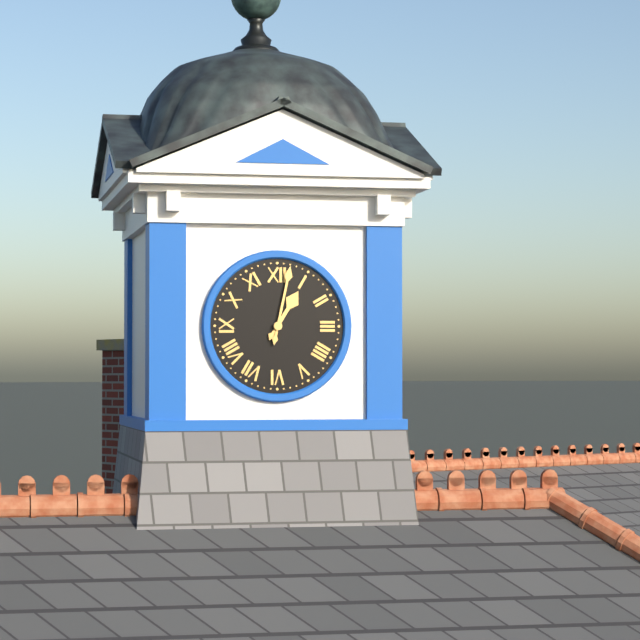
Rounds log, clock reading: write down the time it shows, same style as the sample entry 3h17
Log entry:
1h02
